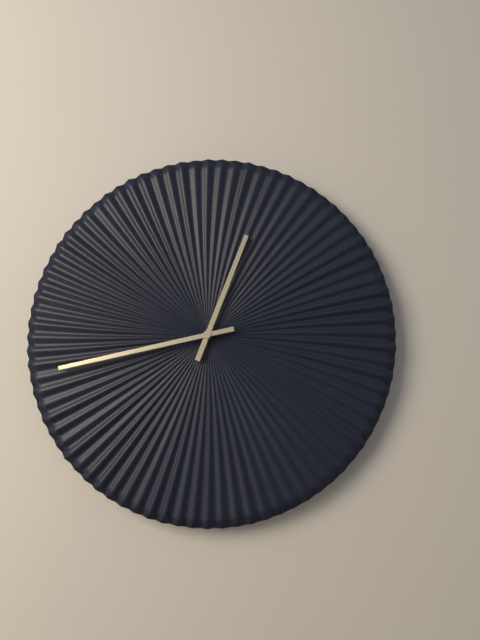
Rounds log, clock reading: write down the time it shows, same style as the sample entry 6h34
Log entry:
12h43
